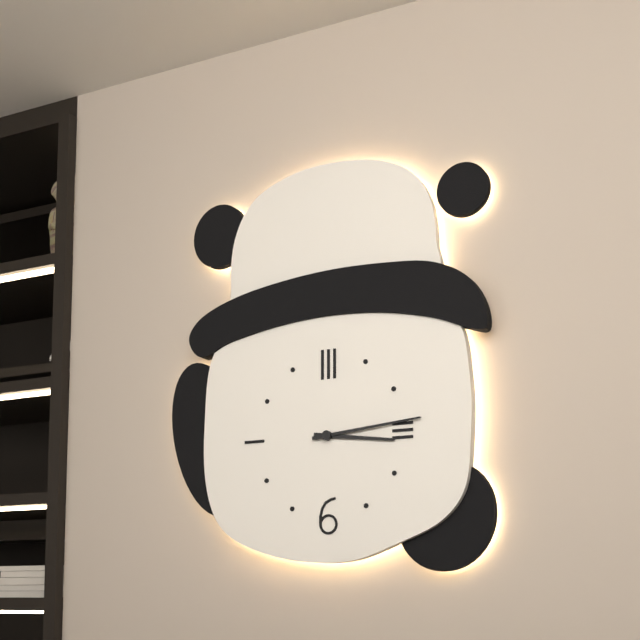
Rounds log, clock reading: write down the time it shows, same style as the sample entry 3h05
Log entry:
3h14
